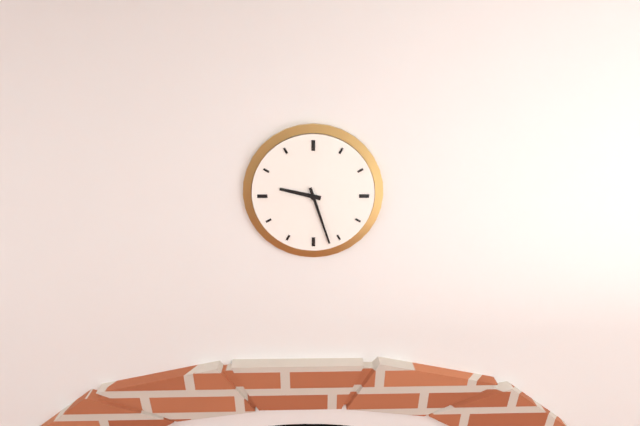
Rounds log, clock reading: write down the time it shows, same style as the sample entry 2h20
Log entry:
9h27
